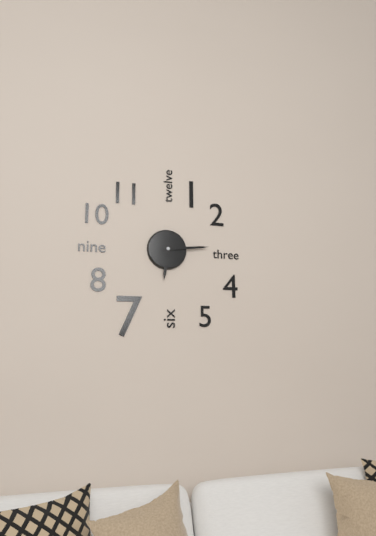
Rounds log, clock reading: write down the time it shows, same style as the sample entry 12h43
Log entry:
6h14
